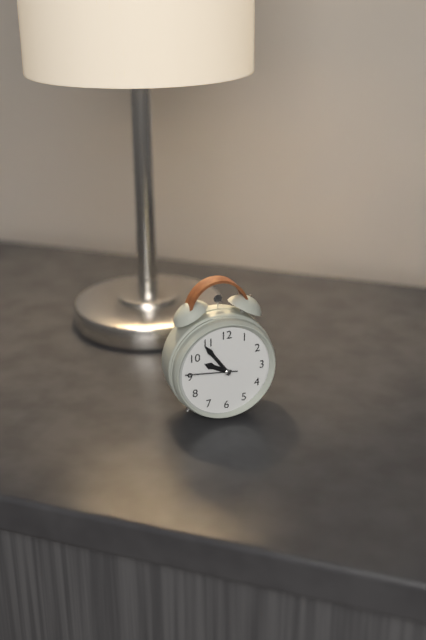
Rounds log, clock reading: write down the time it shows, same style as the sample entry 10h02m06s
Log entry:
9h54m46s
